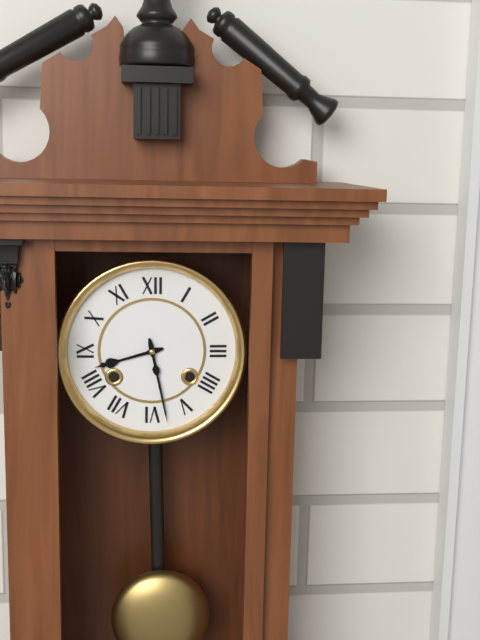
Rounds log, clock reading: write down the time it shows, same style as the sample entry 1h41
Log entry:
8h28
